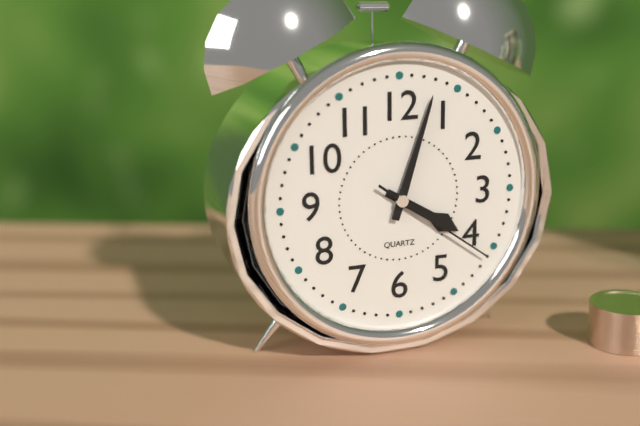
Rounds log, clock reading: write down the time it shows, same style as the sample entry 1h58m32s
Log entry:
4h03m21s
